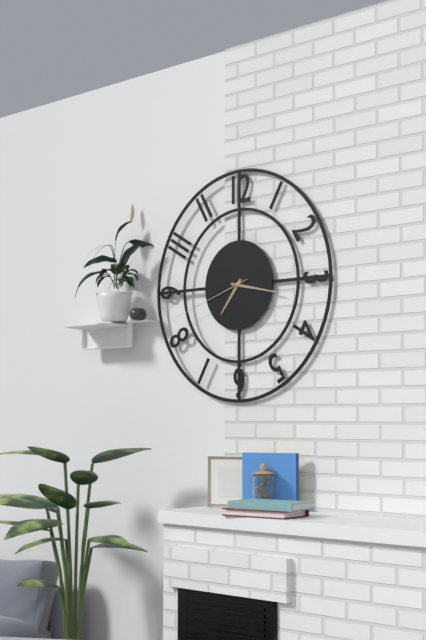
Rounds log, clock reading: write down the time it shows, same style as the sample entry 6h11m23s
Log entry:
7h17m42s
